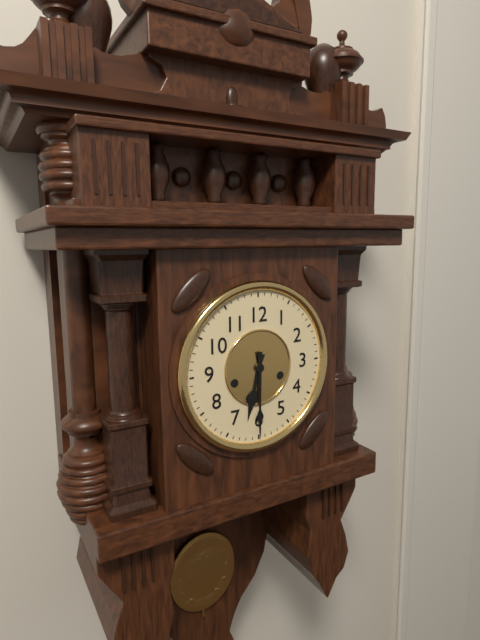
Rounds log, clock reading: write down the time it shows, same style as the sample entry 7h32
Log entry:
6h30
